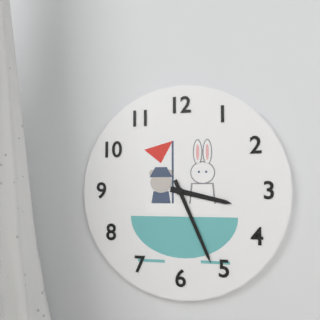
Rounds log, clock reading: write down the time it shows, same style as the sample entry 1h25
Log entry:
3h26
